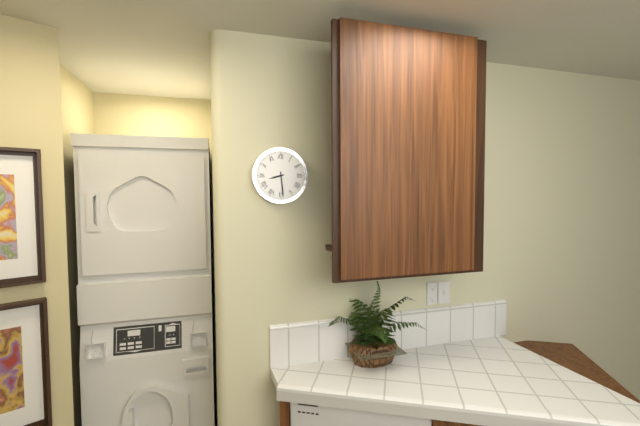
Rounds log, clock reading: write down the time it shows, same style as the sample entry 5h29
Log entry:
8h29
